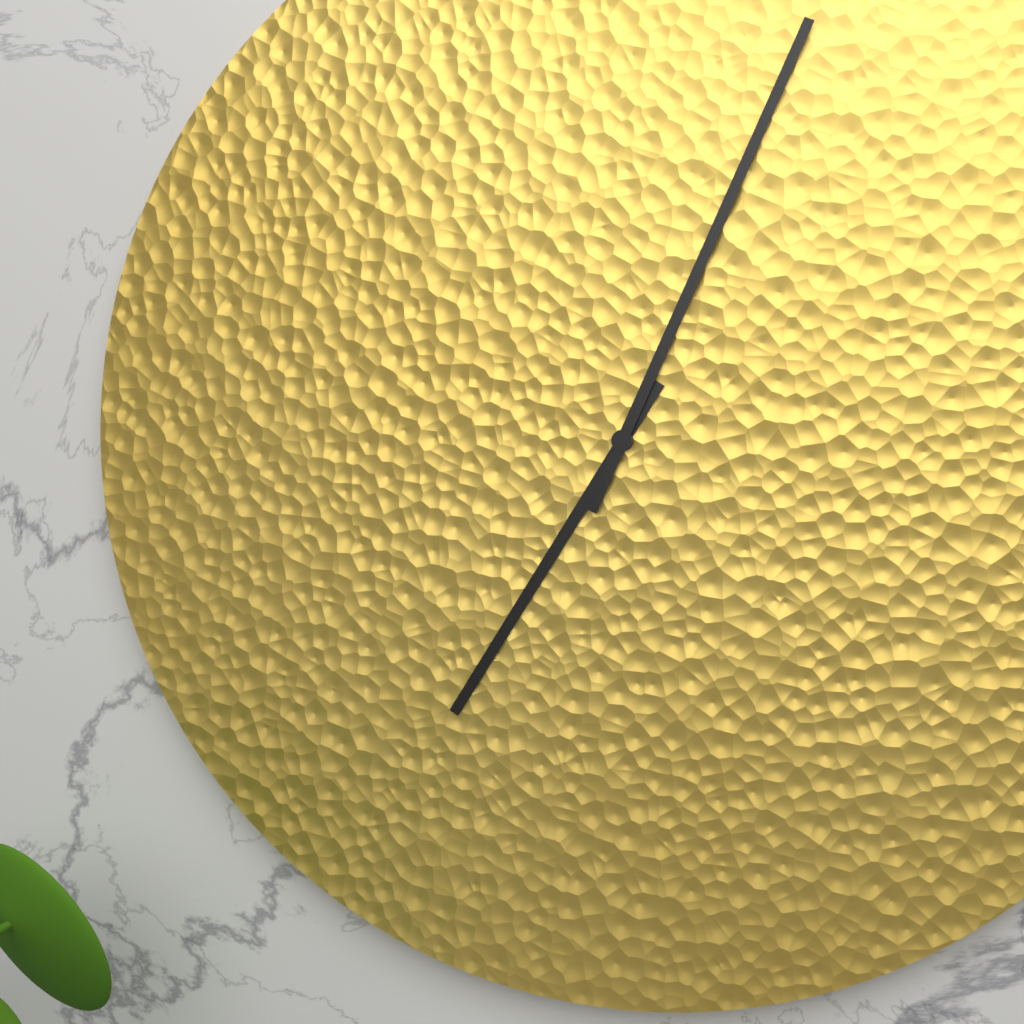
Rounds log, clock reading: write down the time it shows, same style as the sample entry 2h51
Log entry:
7h04
